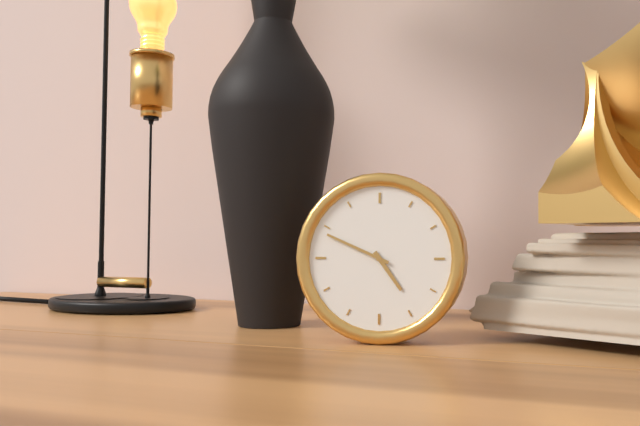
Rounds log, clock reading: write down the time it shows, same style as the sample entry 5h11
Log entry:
4h49
